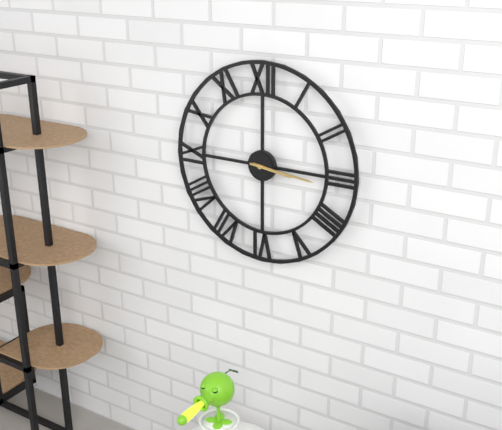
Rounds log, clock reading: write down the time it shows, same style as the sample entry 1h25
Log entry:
3h16
